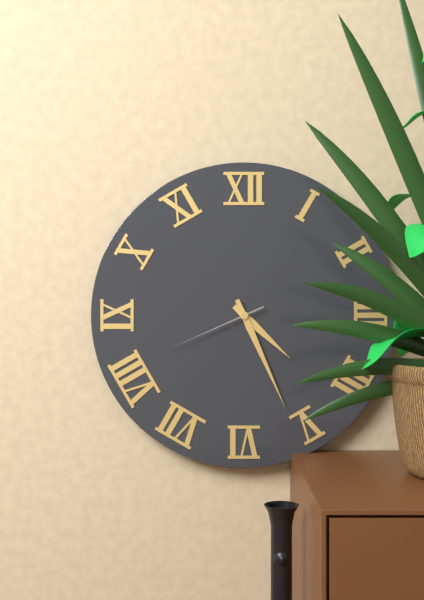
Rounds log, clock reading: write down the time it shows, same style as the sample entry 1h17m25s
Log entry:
4h26m41s
